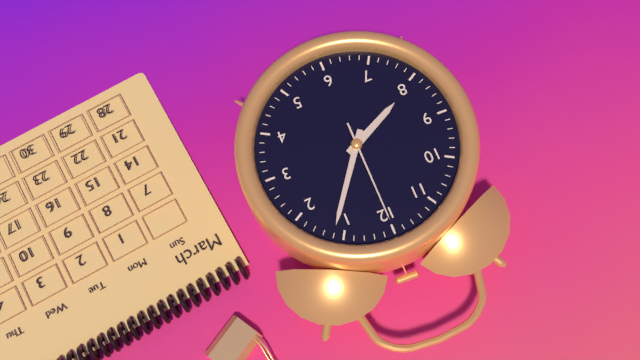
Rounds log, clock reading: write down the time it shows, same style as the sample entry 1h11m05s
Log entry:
8h06m00s
